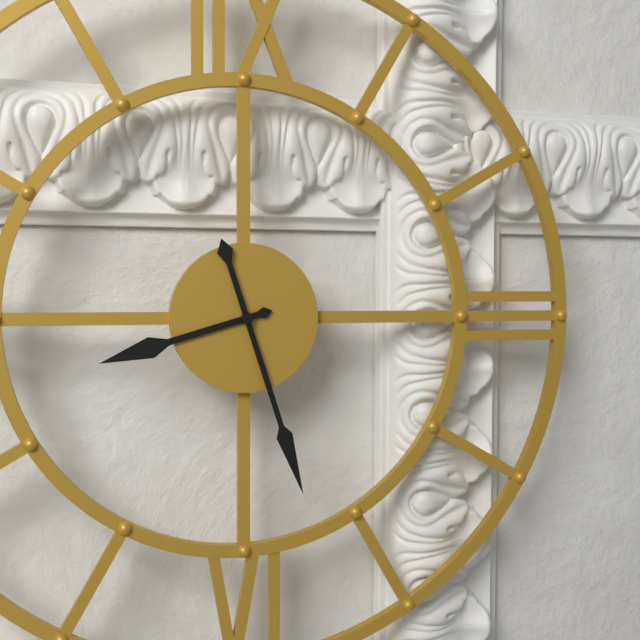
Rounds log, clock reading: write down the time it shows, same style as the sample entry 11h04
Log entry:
8h27
